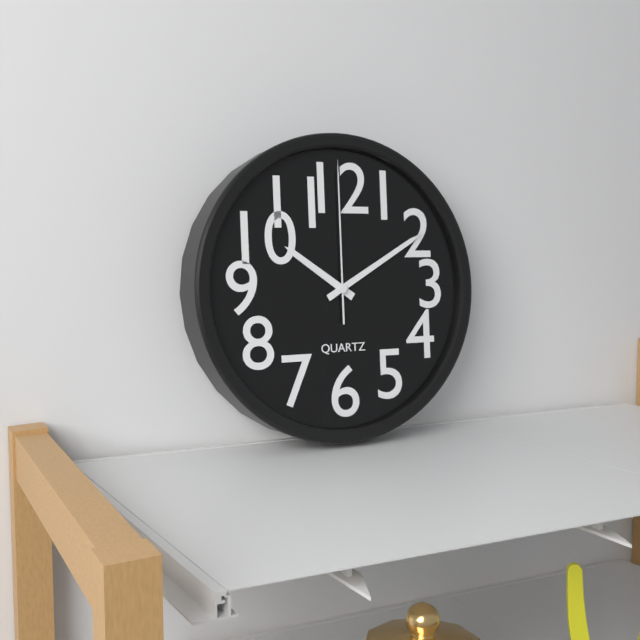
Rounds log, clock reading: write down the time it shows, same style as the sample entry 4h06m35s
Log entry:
10h10m00s
